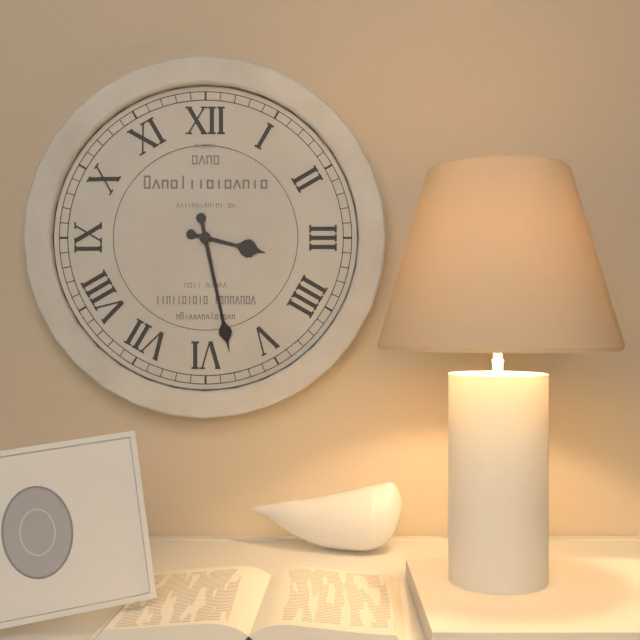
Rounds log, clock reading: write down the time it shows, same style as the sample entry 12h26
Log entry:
3h28
